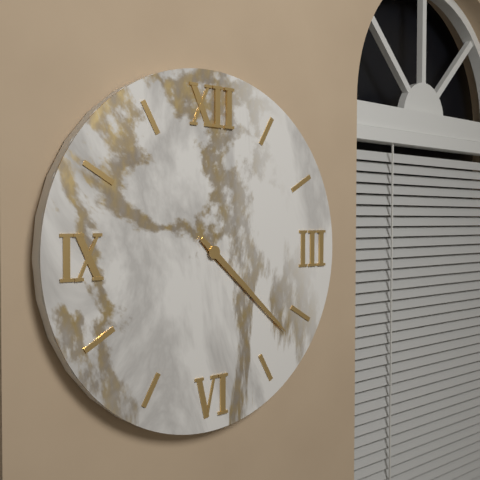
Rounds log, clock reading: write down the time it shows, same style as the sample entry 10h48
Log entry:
4h22
